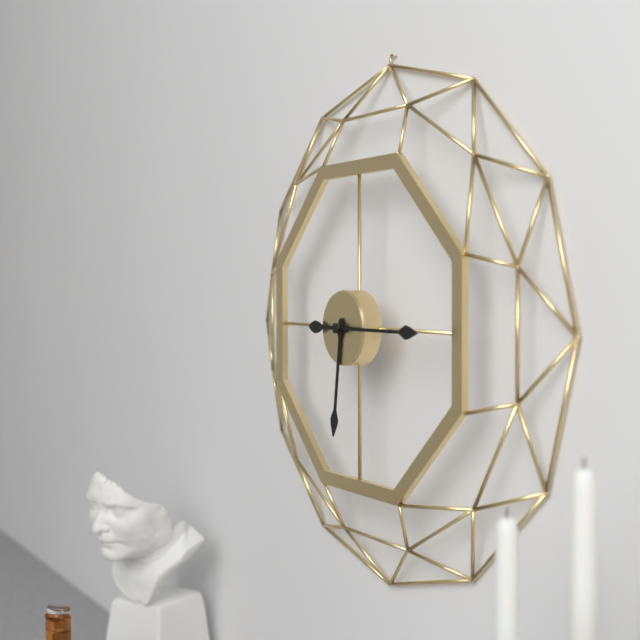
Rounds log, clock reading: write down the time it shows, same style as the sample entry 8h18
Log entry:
6h15
